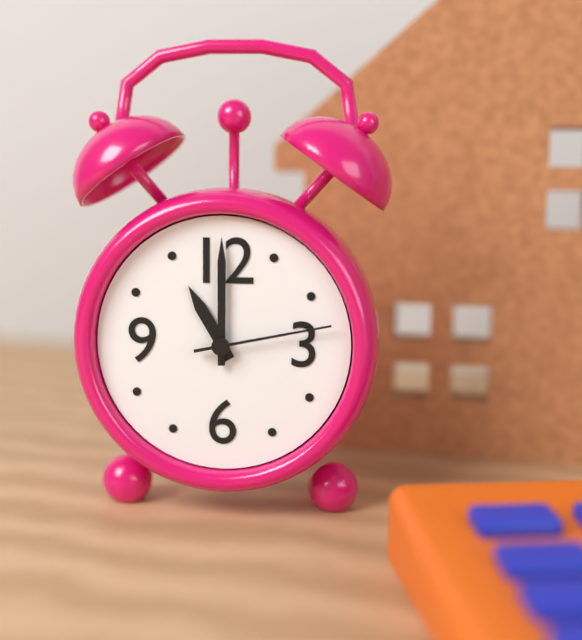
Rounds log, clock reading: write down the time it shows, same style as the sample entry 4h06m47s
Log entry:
11h00m13s
